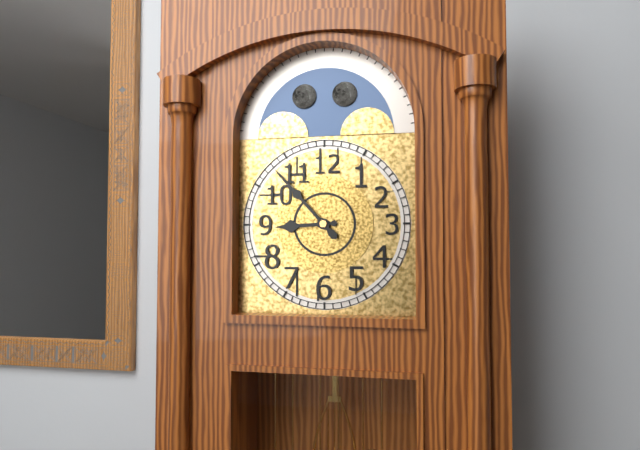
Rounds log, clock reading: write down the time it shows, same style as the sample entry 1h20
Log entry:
8h53
